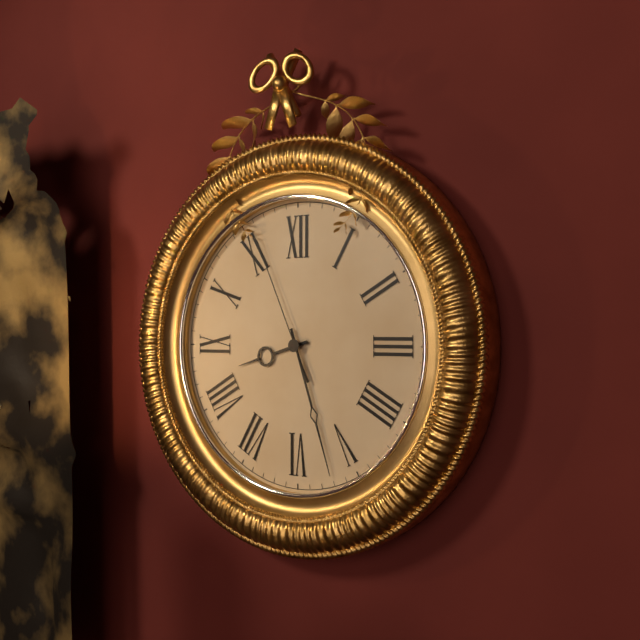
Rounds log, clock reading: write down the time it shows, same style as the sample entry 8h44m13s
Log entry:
8h27m56s
